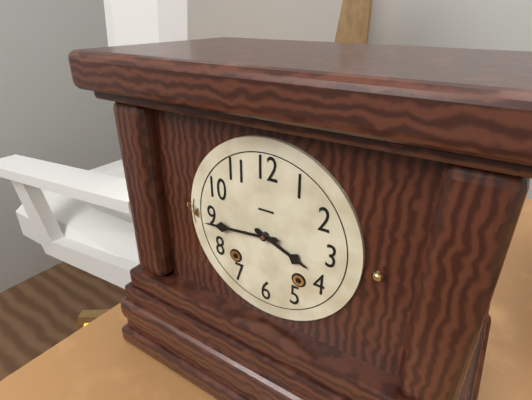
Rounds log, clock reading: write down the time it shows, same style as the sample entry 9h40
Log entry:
3h44
